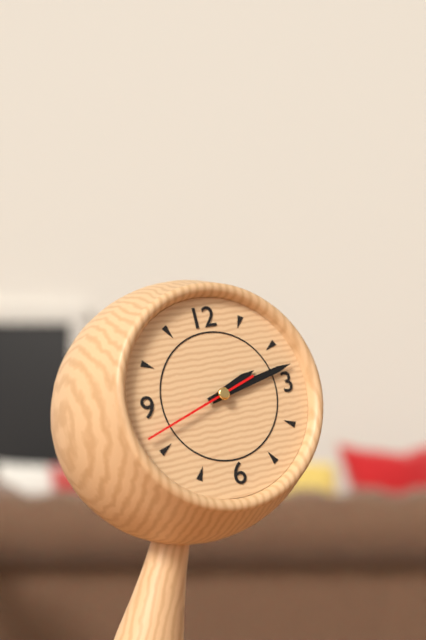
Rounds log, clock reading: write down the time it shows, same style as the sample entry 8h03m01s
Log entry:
2h13m42s
